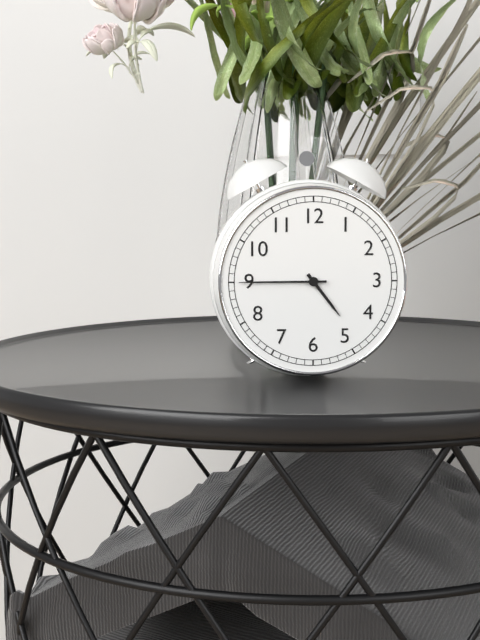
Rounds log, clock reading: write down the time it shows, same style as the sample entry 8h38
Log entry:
4h45
